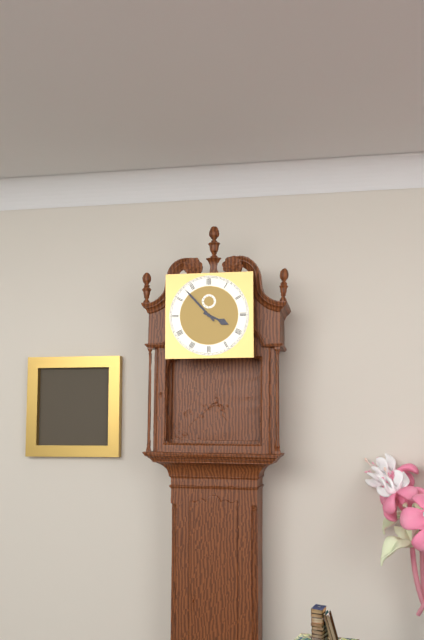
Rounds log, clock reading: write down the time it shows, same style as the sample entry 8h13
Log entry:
3h53
